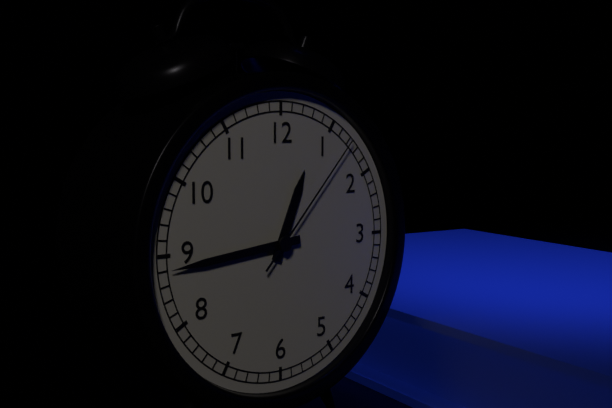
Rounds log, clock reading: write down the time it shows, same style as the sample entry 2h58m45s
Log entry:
12h44m07s
